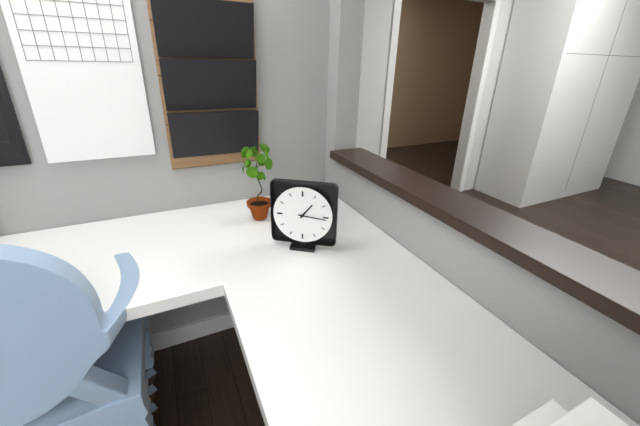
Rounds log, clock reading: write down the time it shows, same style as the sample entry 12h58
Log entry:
1h16
